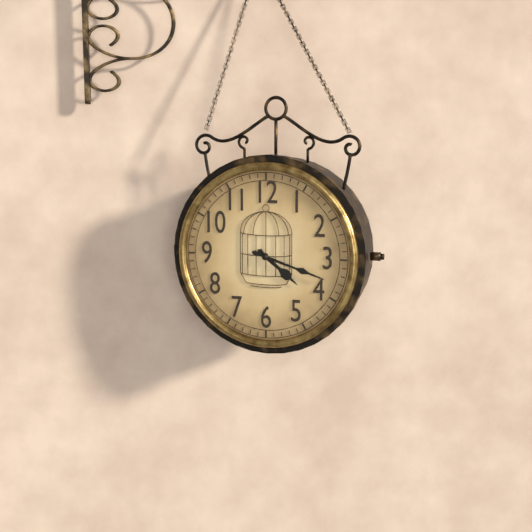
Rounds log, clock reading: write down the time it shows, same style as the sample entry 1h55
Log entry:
4h18
